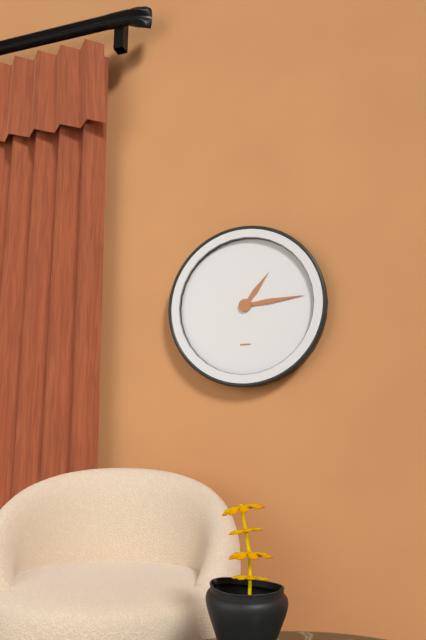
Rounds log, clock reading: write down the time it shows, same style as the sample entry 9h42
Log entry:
1h14
